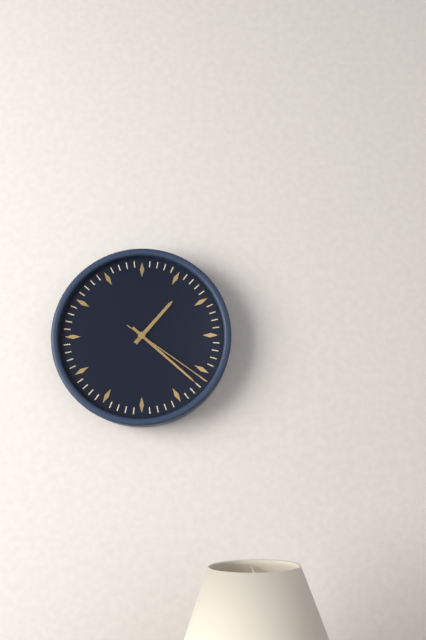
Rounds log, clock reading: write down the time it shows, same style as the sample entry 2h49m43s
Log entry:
1h22m21s
